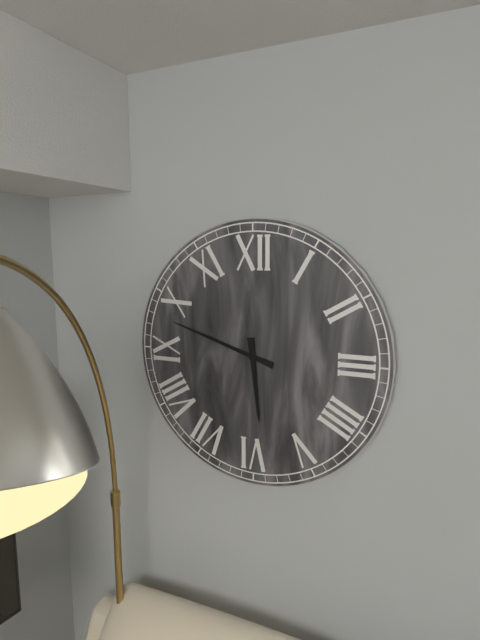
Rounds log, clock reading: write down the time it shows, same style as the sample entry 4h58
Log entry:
5h48
